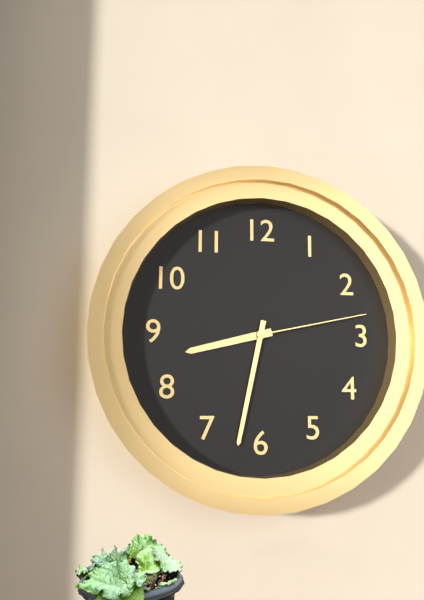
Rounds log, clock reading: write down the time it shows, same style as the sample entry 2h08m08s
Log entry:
8h32m13s
